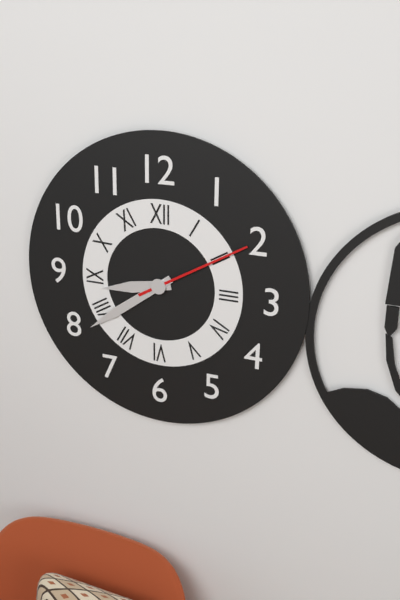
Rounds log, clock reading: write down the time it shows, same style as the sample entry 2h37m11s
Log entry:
8h39m10s
